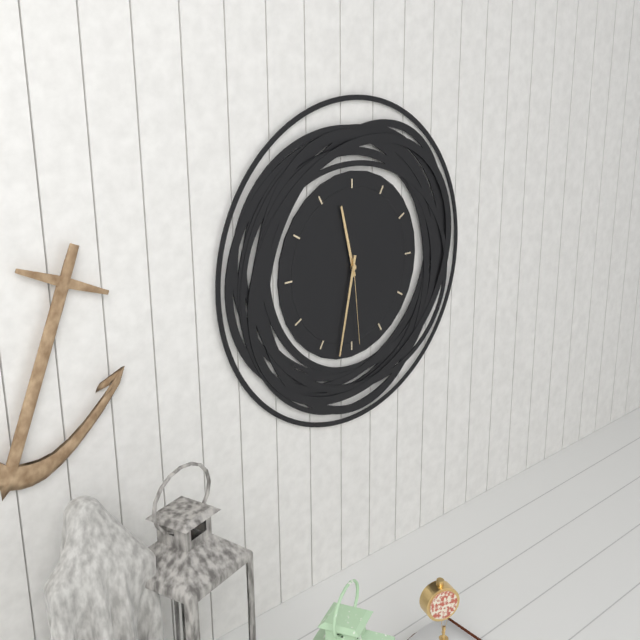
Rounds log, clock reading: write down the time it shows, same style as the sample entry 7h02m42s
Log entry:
11h32m29s
